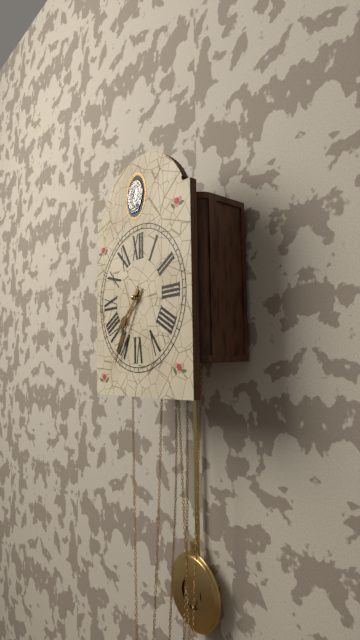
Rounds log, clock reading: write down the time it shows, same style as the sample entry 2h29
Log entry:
7h35
